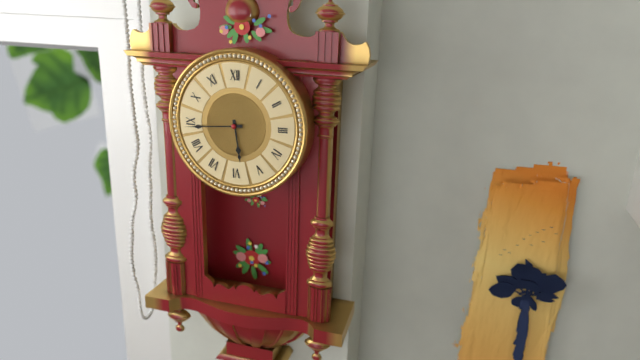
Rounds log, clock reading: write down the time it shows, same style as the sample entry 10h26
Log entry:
5h44
